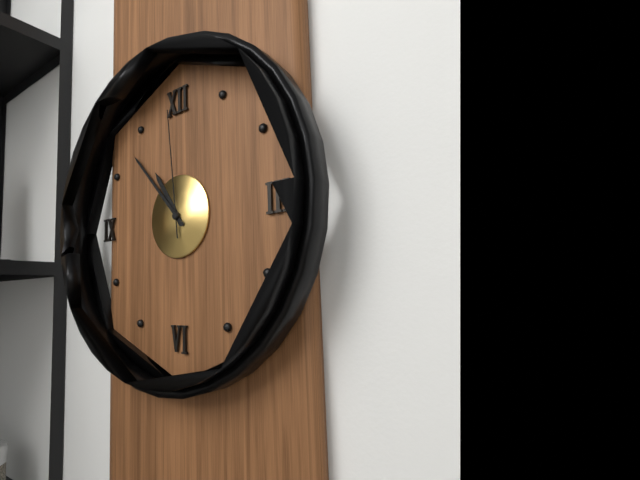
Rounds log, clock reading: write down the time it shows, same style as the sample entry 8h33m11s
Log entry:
10h53m59s
